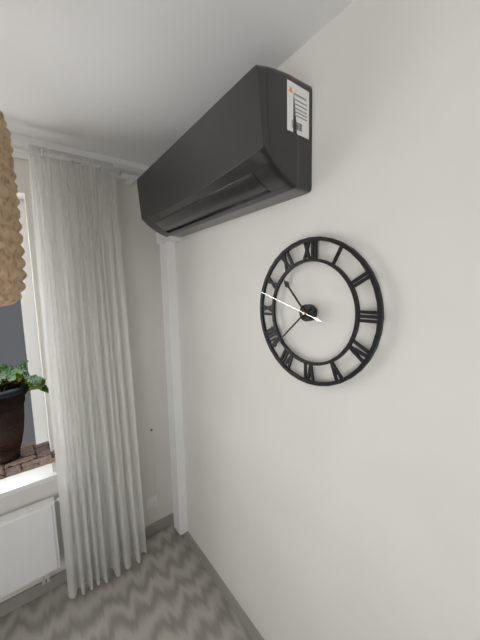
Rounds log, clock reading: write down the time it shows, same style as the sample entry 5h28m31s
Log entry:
10h38m48s
